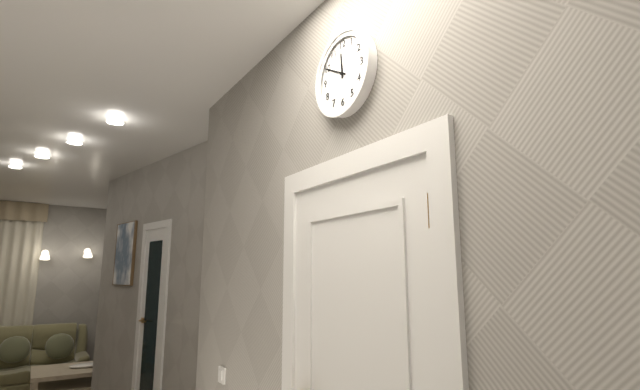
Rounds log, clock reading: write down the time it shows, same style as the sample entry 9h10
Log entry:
11h50
